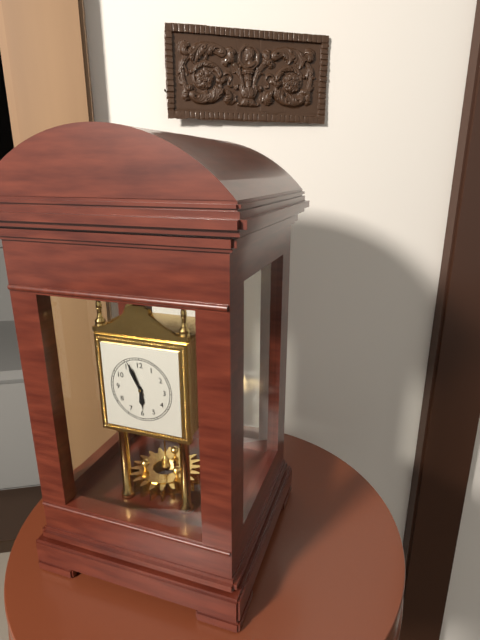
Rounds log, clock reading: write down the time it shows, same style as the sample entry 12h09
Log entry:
5h56
